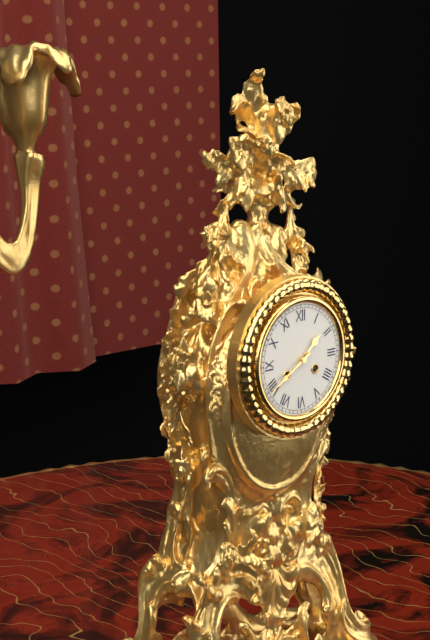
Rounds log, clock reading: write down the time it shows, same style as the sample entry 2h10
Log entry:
1h40
